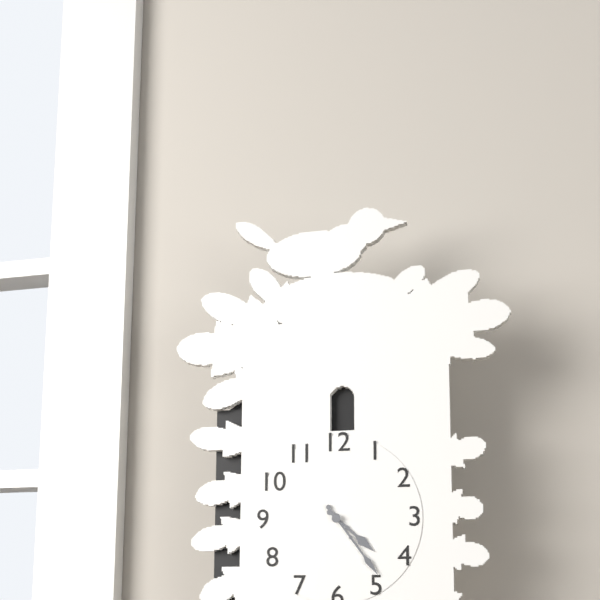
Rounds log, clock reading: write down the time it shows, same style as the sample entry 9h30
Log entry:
4h24
